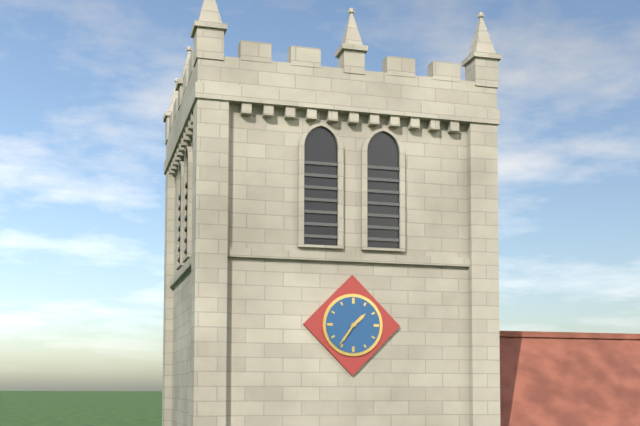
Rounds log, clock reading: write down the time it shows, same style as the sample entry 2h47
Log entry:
1h36
